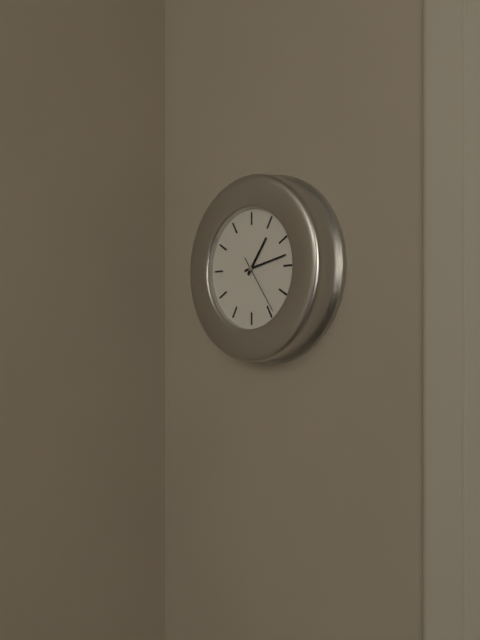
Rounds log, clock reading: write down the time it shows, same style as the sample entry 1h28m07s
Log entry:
1h13m24s
